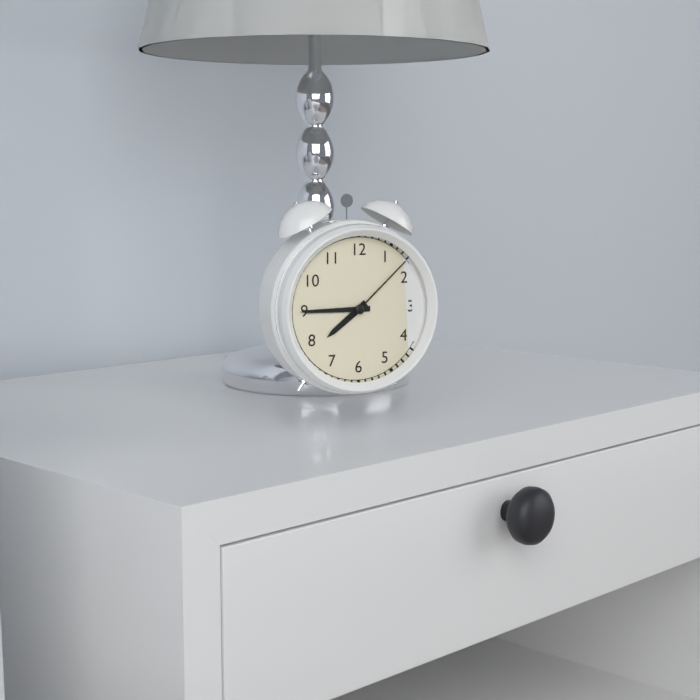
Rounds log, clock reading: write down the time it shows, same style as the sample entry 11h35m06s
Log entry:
7h45m08s
